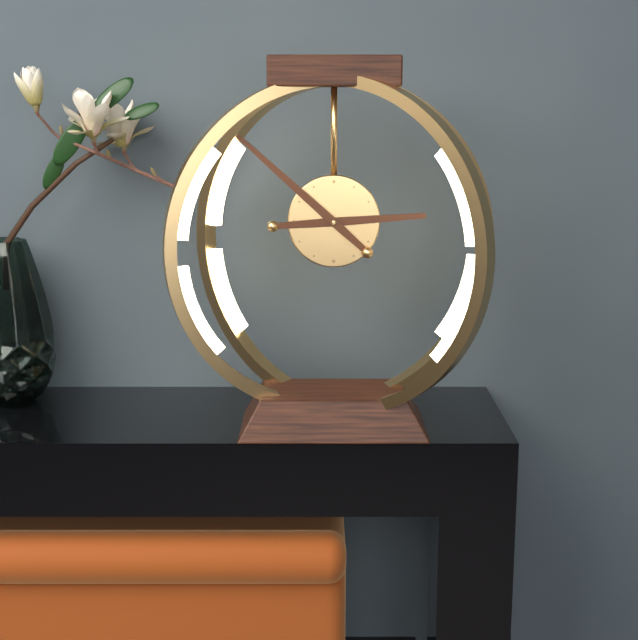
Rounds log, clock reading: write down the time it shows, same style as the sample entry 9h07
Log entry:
2h52
